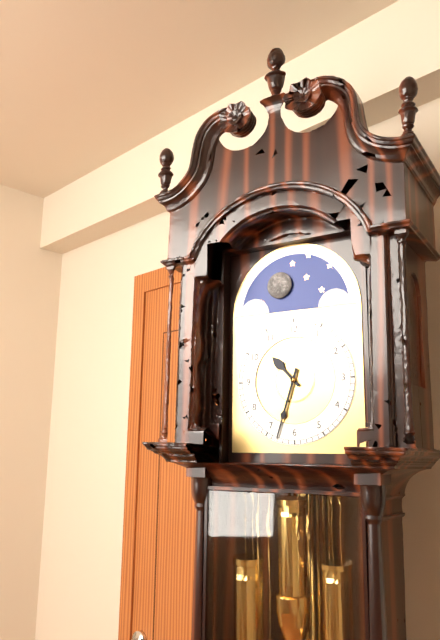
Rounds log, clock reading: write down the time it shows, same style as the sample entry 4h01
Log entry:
10h33
